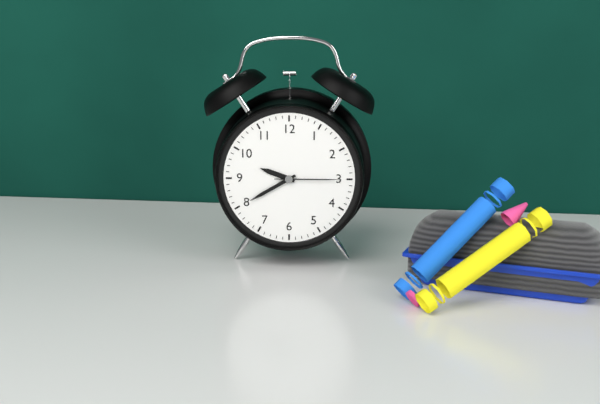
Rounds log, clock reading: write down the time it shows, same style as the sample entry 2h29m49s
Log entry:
9h40m15s
